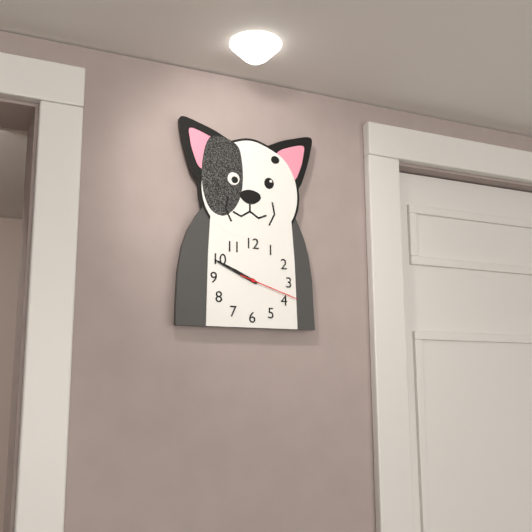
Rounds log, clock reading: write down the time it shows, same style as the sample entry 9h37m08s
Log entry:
9h49m18s
